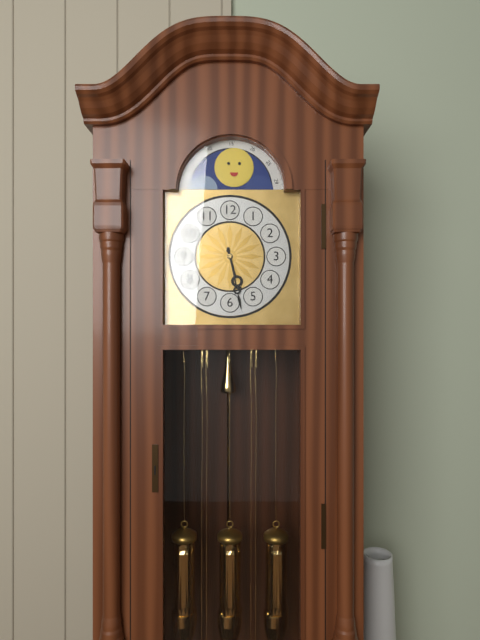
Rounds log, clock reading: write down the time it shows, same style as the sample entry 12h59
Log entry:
5h28
